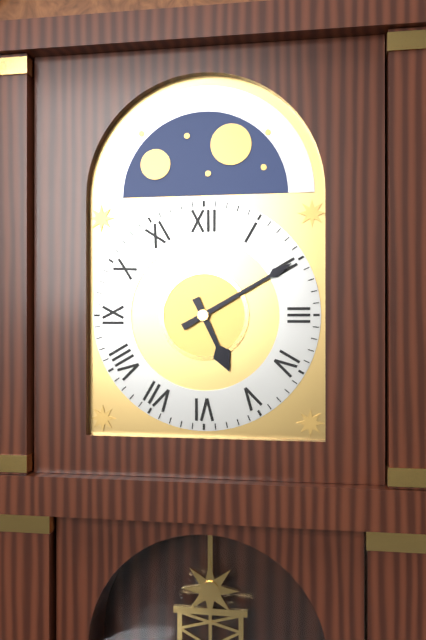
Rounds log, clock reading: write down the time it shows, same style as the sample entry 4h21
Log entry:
5h10
